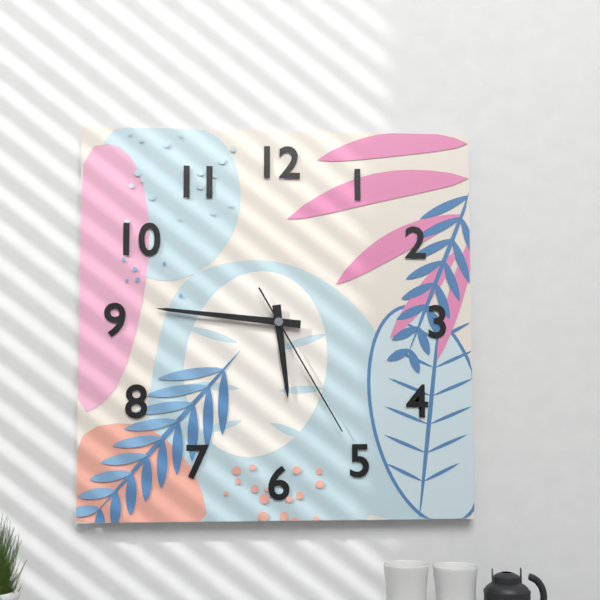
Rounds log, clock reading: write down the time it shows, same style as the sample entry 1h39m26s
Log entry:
5h46m25s
